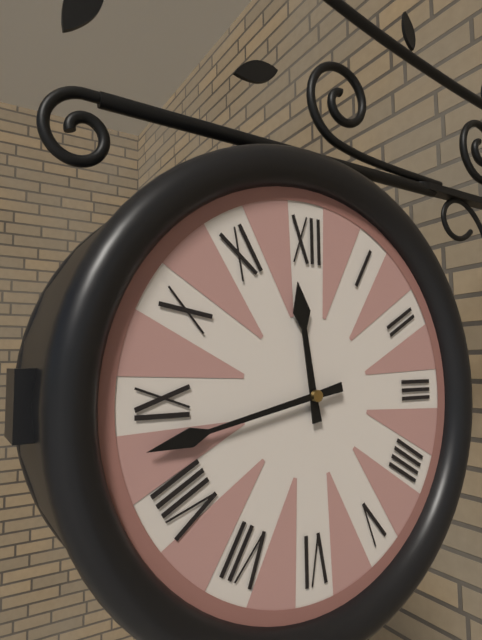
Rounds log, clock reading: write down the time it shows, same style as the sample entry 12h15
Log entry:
11h43
